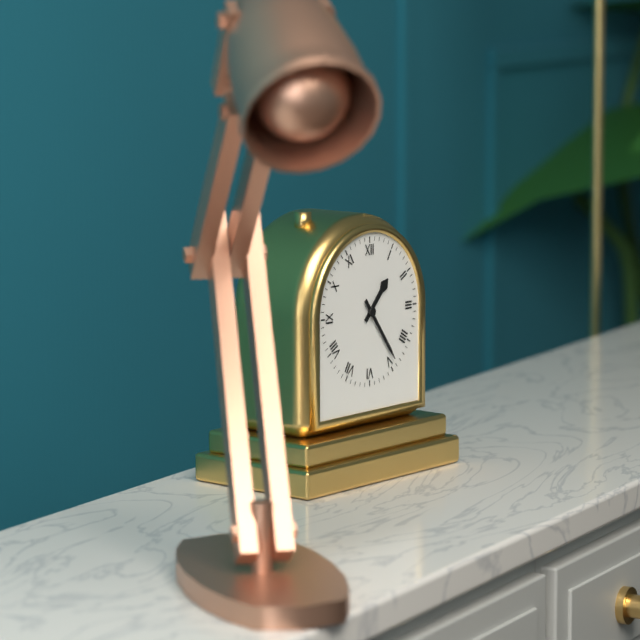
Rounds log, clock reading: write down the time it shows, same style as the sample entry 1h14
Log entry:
1h24
